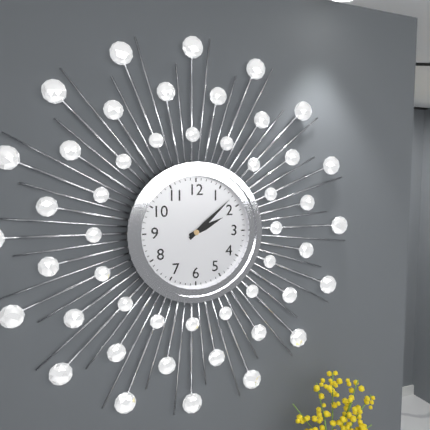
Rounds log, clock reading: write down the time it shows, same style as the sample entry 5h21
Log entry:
2h08
